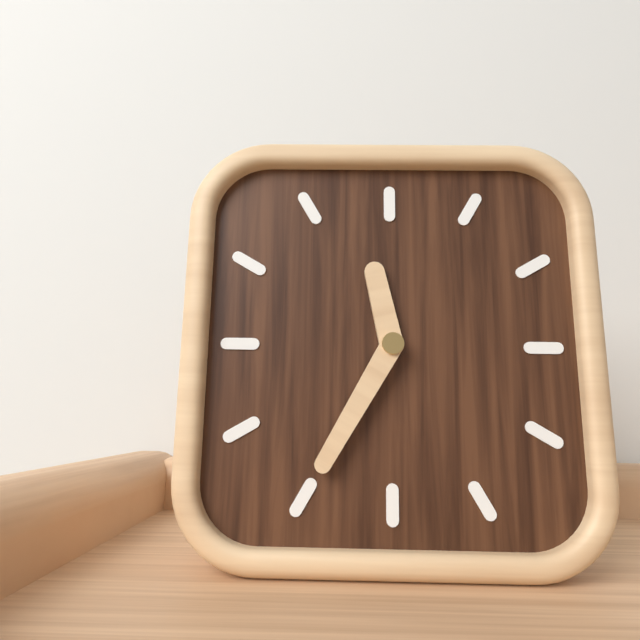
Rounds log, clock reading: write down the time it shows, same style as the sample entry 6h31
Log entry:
11h35
